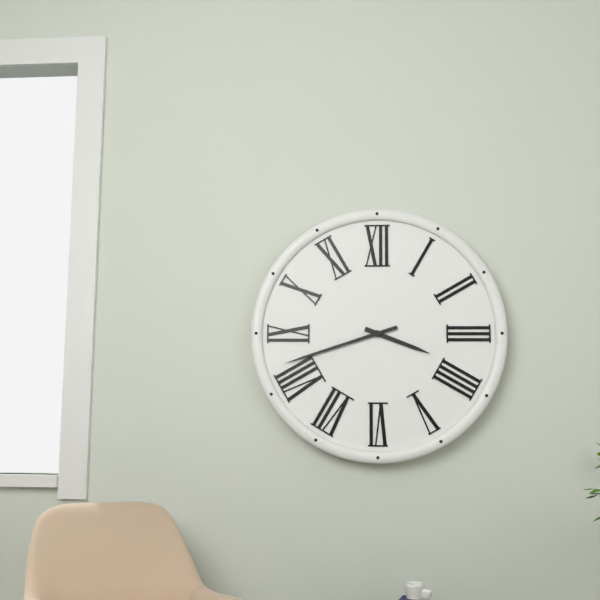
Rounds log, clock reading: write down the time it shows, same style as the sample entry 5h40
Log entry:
3h42
